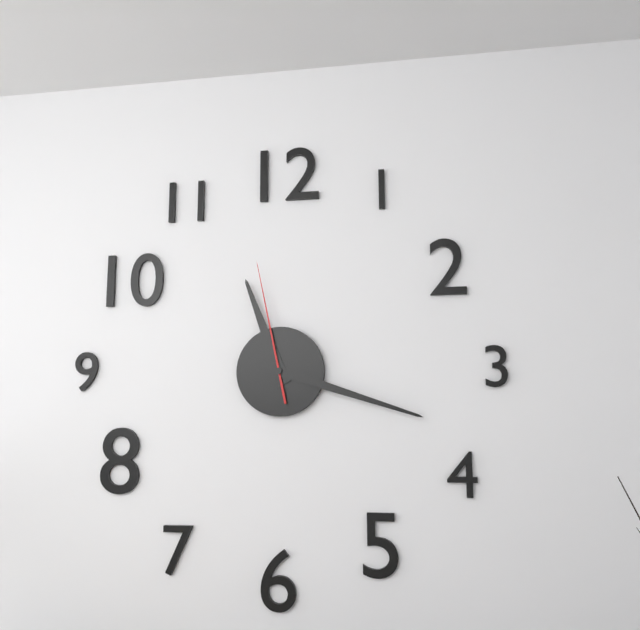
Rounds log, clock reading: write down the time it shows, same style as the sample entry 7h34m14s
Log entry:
11h18m58s
